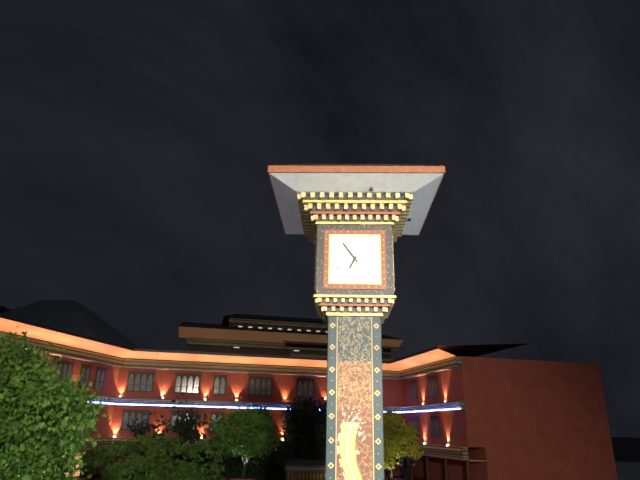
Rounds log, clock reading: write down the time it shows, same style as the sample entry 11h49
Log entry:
6h54
